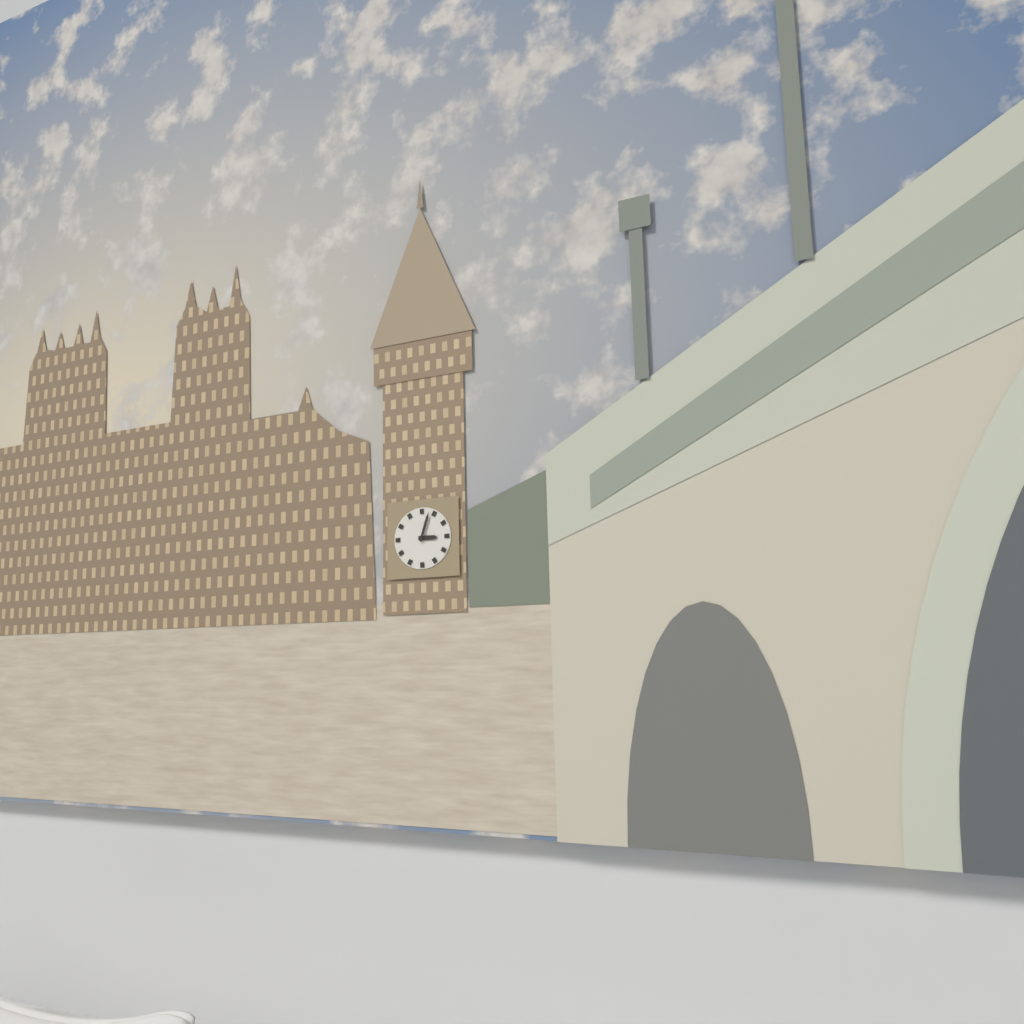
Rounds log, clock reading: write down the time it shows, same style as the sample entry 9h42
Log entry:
3h03
